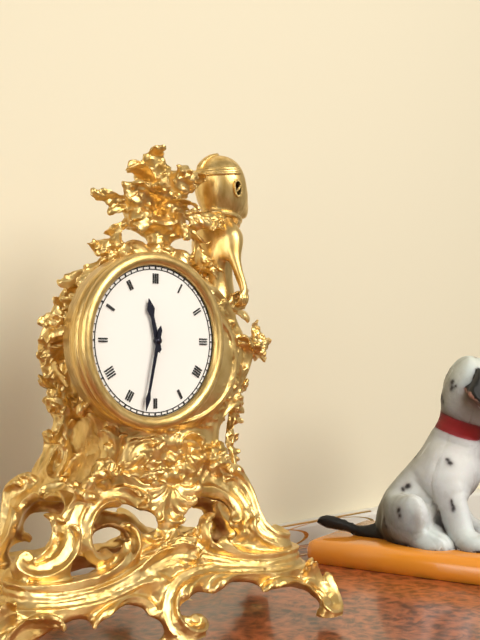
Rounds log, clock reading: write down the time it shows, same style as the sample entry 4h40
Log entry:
11h32
